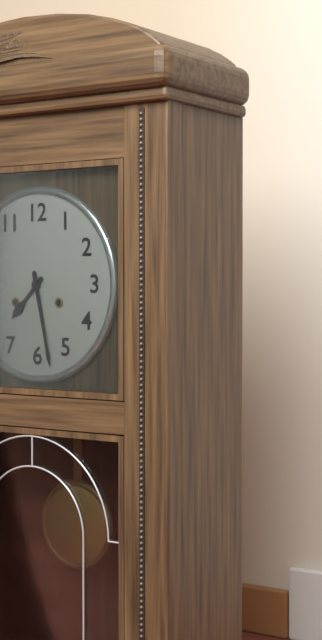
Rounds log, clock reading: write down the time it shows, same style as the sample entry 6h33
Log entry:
7h28
